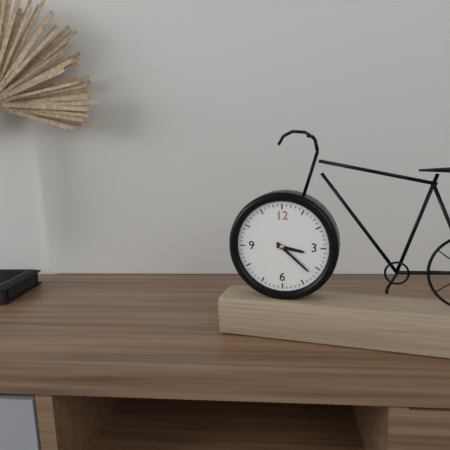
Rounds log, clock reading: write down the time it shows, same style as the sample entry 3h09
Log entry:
3h22
